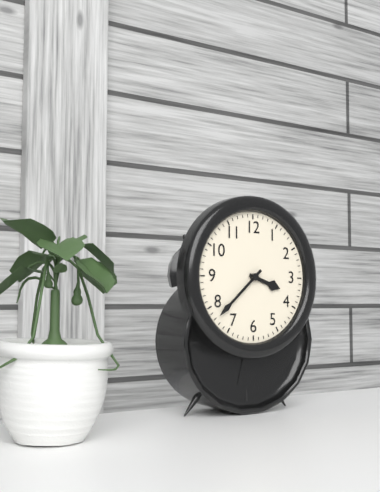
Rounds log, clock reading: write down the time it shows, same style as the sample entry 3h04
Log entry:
3h38
